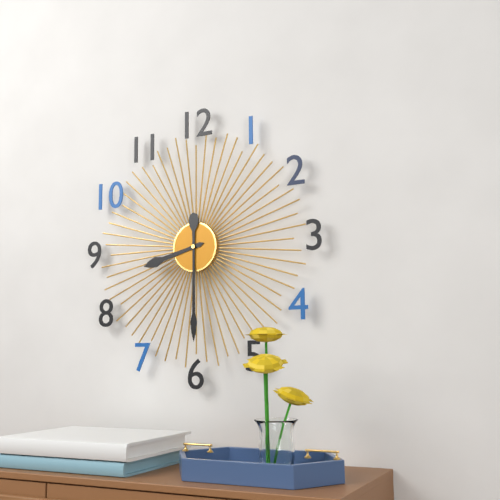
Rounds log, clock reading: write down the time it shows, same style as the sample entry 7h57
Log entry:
8h30
